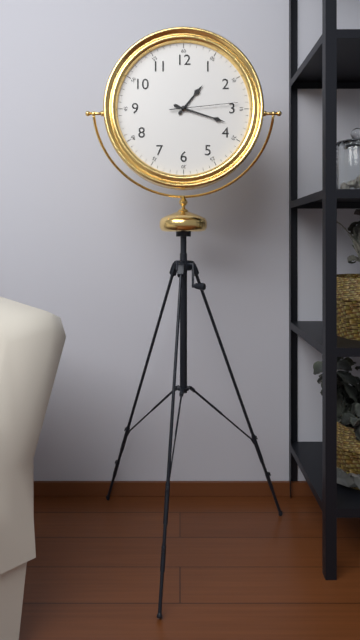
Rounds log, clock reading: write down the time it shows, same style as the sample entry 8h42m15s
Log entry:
1h18m14s
